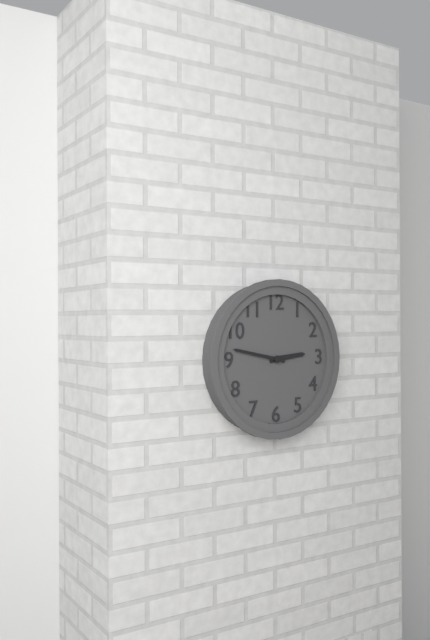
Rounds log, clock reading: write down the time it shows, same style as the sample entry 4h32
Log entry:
2h47
